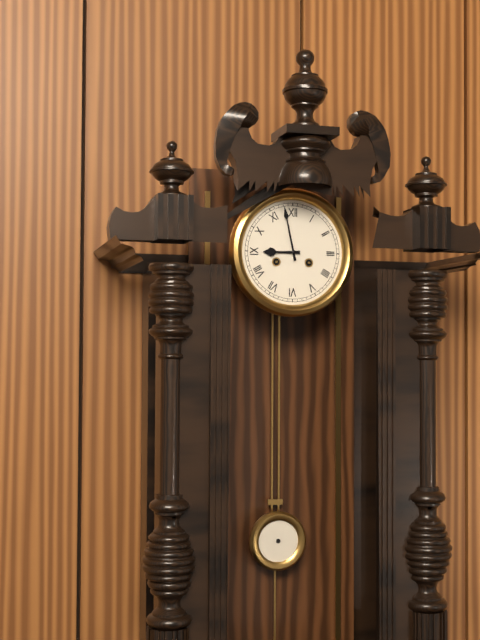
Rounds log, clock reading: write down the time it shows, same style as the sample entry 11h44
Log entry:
8h58
